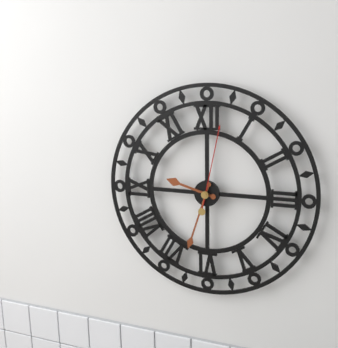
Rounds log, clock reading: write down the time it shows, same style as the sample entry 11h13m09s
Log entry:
9h33m02s
